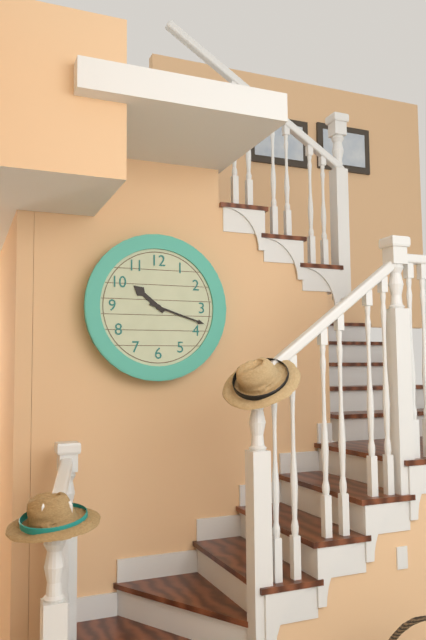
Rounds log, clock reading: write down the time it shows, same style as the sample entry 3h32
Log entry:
10h18
